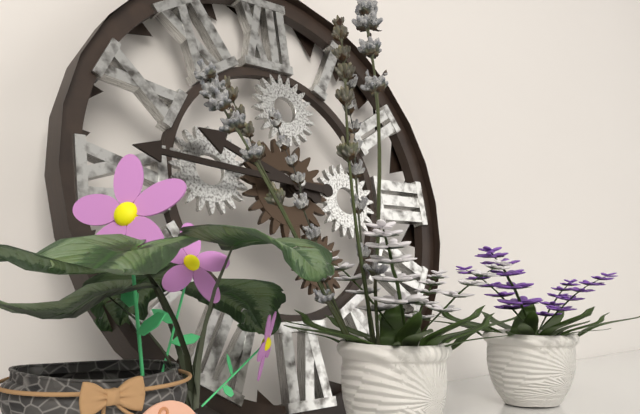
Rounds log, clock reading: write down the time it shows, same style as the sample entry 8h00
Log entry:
9h46
